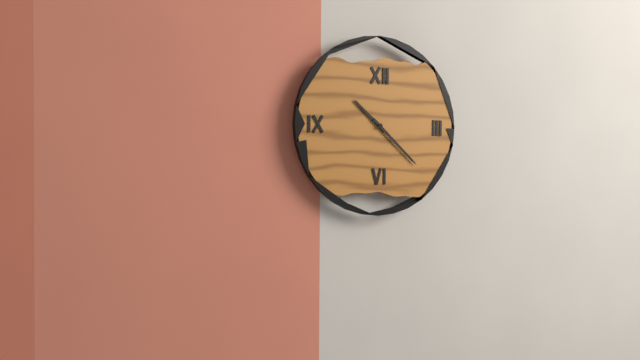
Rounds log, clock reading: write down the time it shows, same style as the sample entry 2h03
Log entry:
10h22
